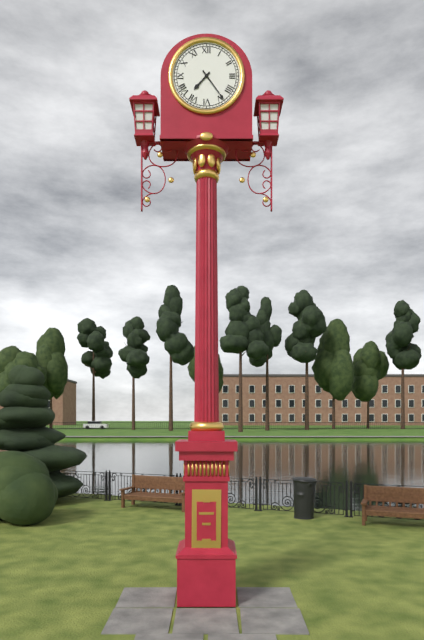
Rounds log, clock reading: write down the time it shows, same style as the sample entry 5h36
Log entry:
7h24
